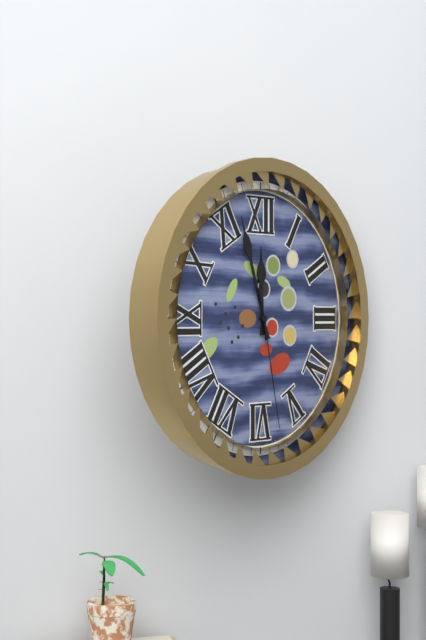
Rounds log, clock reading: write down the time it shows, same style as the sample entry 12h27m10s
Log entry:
11h57m28s
